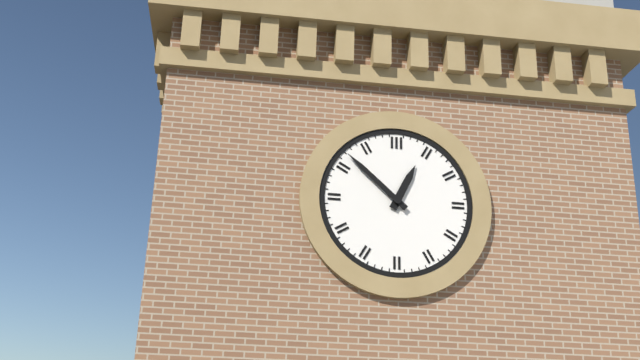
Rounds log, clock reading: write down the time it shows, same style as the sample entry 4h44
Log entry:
12h52
